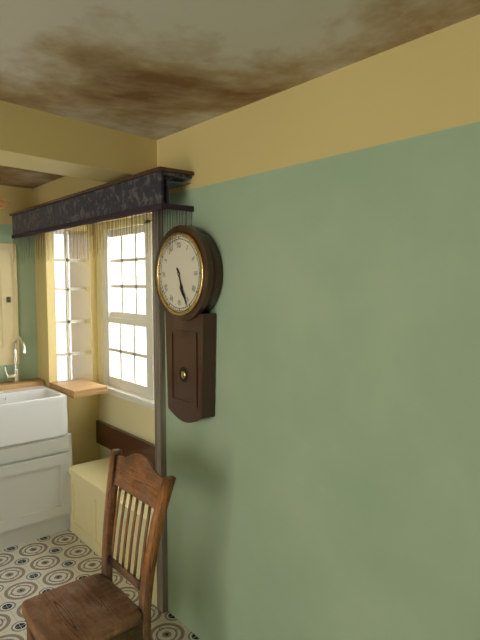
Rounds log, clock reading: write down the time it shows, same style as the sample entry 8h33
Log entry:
5h26
